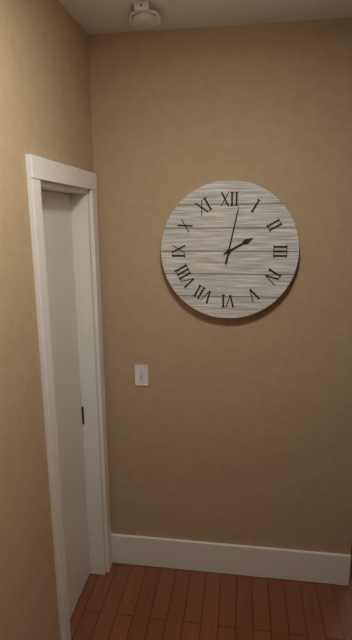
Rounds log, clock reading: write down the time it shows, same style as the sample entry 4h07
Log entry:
2h02
